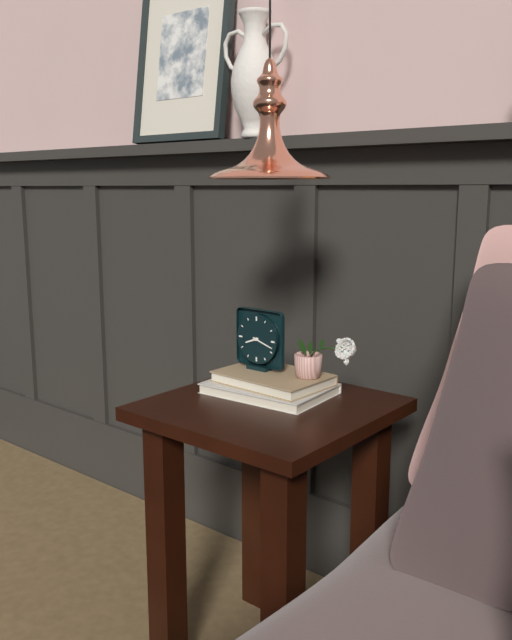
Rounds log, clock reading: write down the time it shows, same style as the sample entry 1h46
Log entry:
8h18
